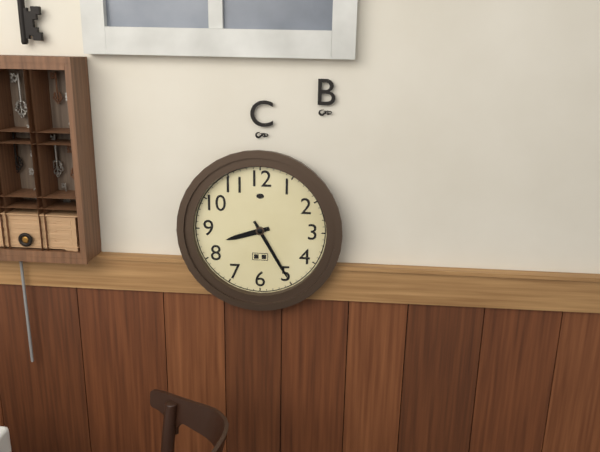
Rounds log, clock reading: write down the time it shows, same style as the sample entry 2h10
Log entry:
8h25
